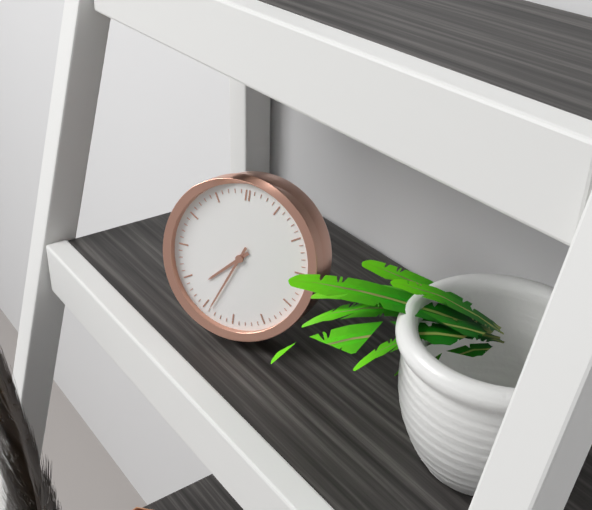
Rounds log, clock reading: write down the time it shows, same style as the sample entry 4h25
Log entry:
7h34
